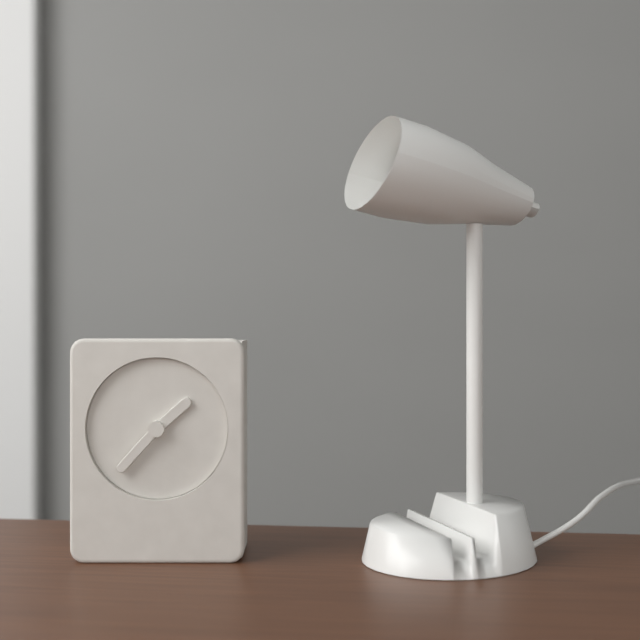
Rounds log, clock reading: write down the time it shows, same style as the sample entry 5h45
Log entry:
1h37
